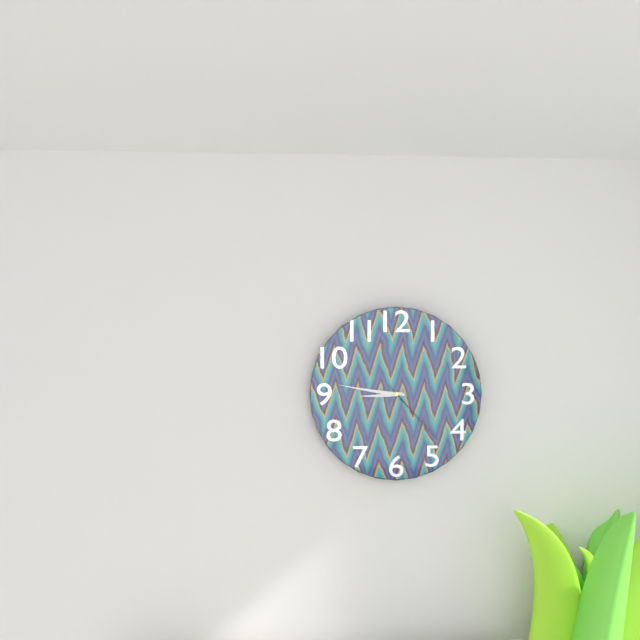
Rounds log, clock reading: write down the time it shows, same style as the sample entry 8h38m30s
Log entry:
8h46m23s
